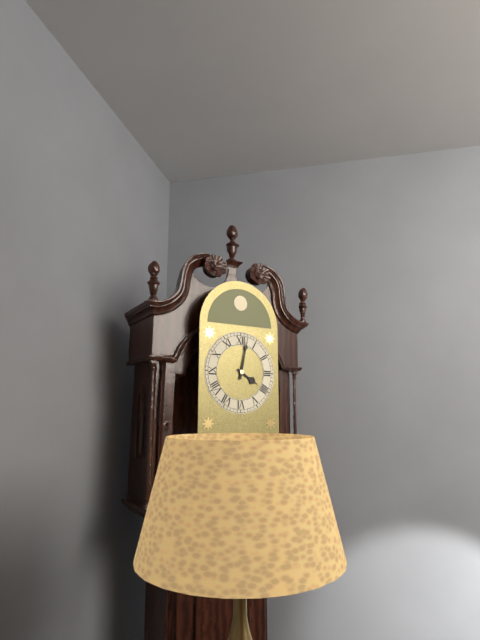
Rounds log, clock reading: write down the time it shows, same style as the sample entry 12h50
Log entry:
4h02
